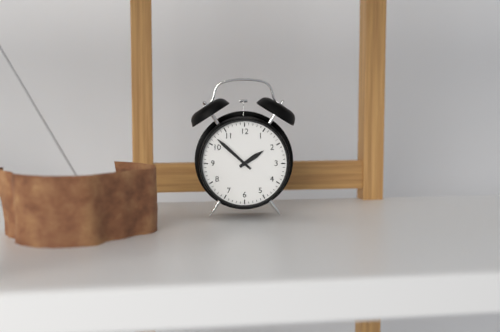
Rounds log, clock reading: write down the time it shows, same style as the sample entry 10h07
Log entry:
1h52
